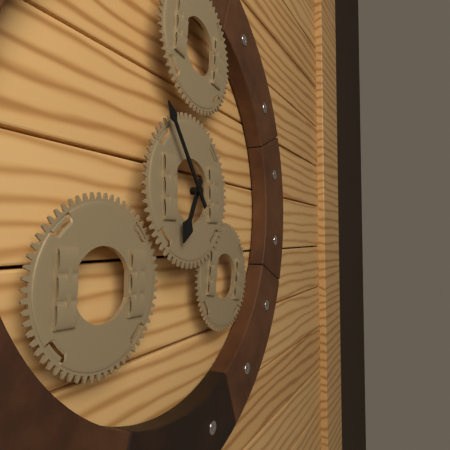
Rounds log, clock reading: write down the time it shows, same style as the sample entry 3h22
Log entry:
6h54
